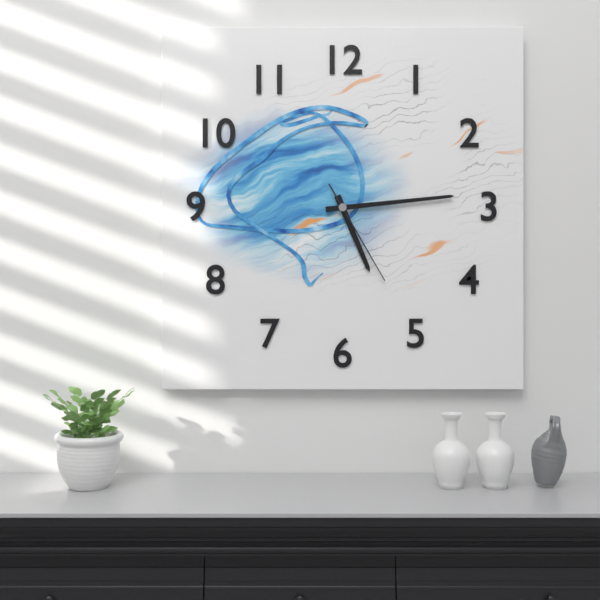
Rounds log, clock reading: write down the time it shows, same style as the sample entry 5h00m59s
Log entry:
5h14m25s
